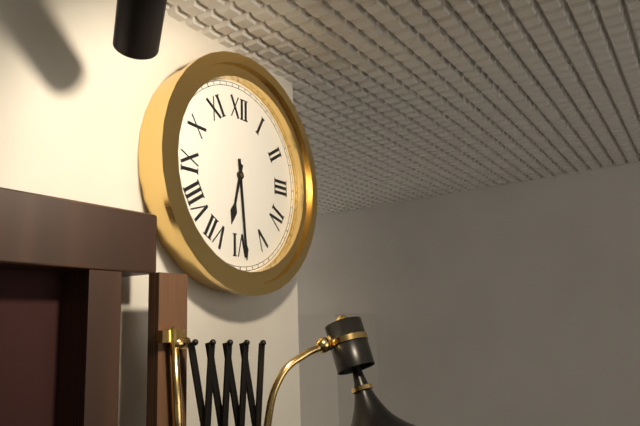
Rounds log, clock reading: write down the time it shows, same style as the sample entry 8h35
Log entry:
6h29
